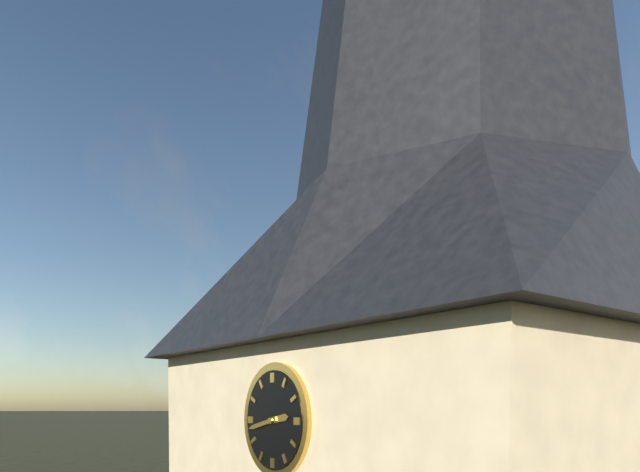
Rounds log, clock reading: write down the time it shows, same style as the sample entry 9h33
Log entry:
2h43
